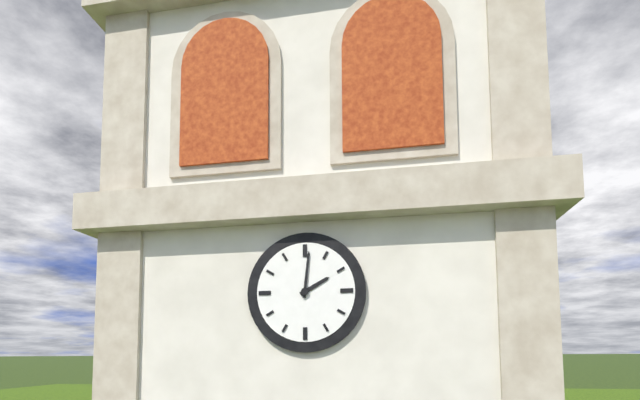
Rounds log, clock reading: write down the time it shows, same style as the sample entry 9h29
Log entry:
2h01
